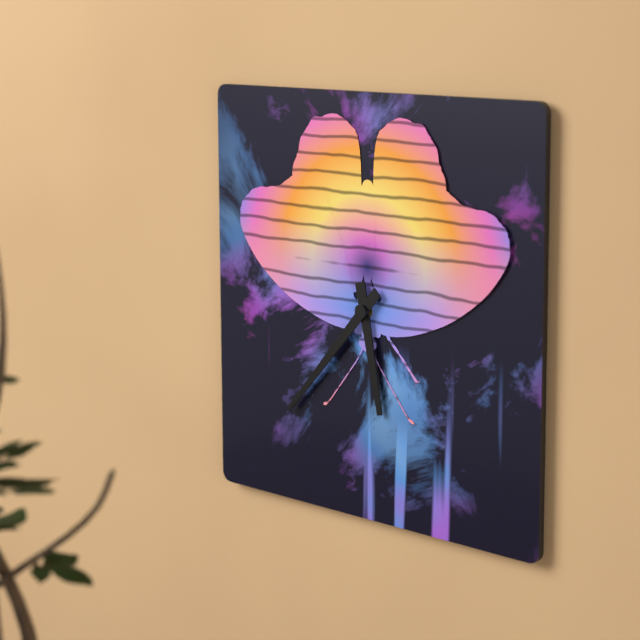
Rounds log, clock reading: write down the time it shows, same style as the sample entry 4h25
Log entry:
5h37
